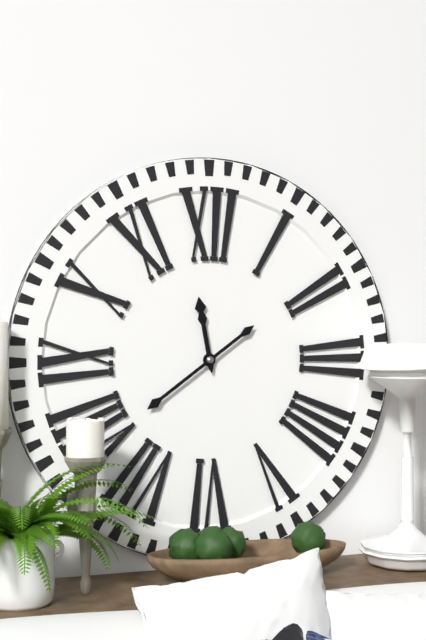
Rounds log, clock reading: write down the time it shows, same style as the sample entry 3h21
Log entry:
11h39
